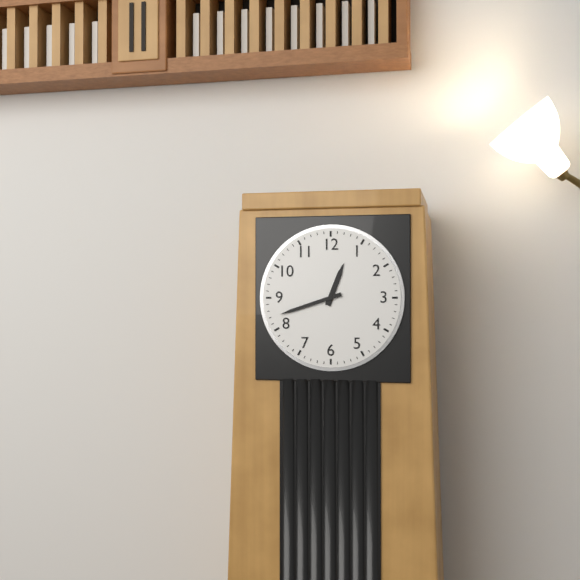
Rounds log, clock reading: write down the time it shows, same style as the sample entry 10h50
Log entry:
12h42
